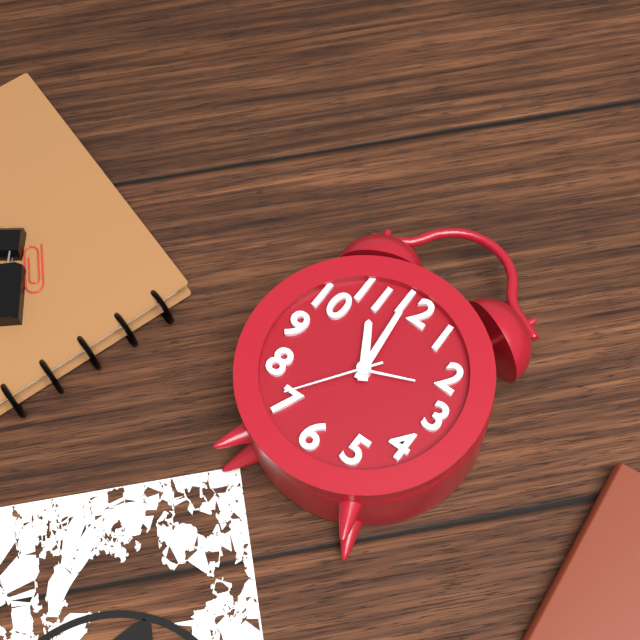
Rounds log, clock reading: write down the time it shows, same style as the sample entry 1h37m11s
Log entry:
10h59m36s
